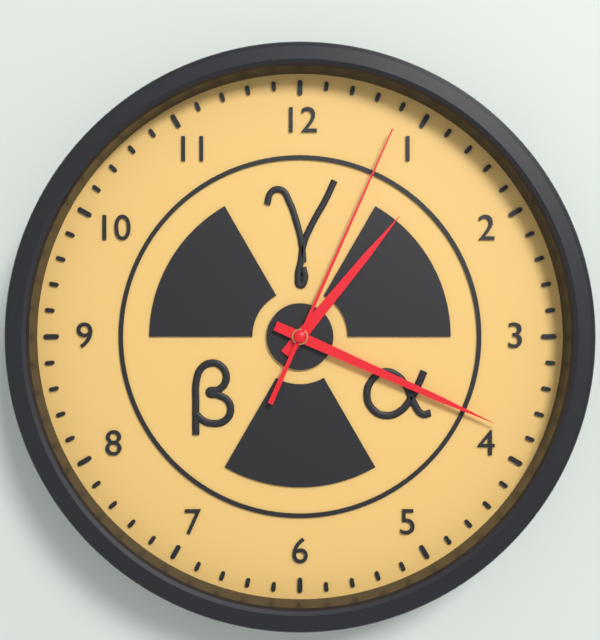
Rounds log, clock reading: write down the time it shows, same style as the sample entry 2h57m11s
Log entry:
1h19m04s
